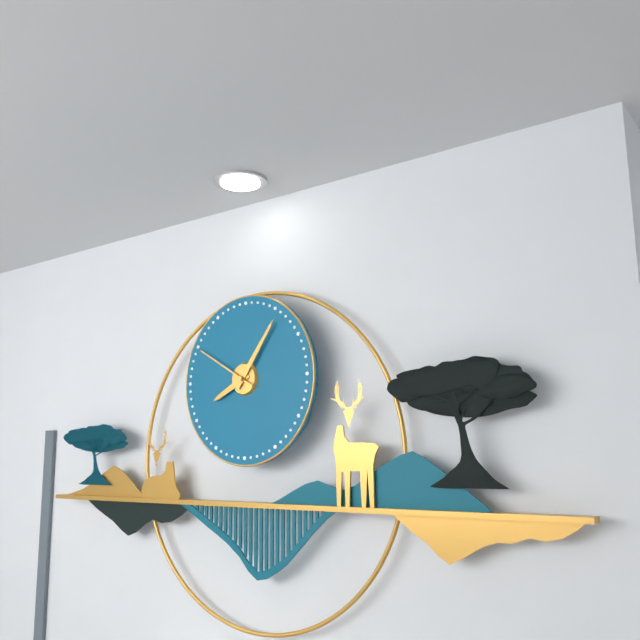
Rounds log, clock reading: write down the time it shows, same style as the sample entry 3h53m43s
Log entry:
8h06m50s
